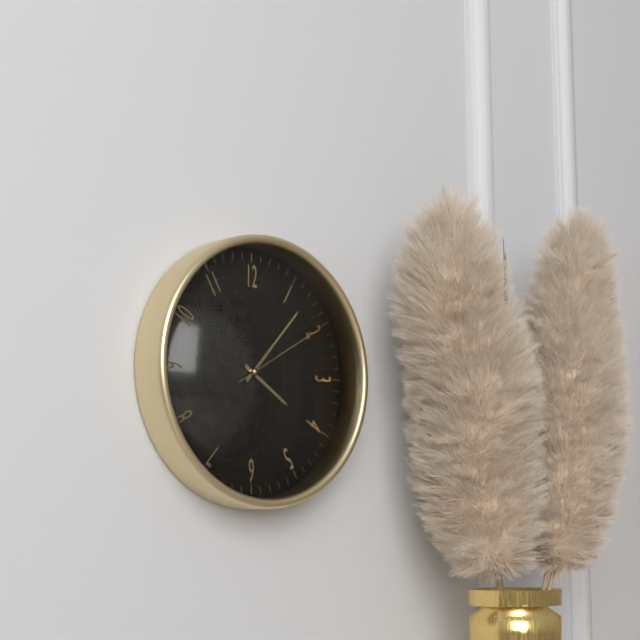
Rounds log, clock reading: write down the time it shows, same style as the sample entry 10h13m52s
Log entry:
4h07m10s
